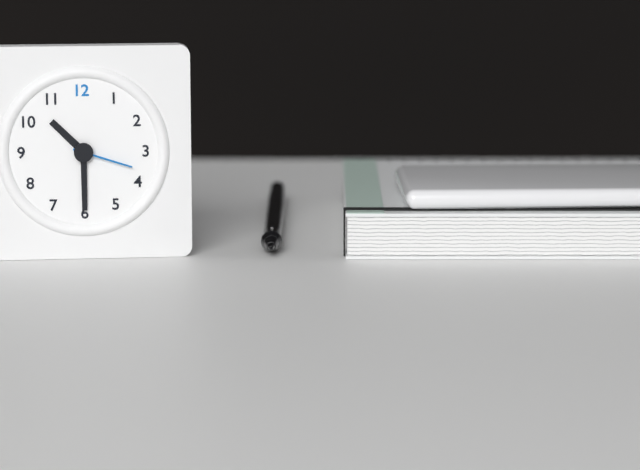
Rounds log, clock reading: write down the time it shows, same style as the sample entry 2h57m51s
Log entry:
10h30m18s
